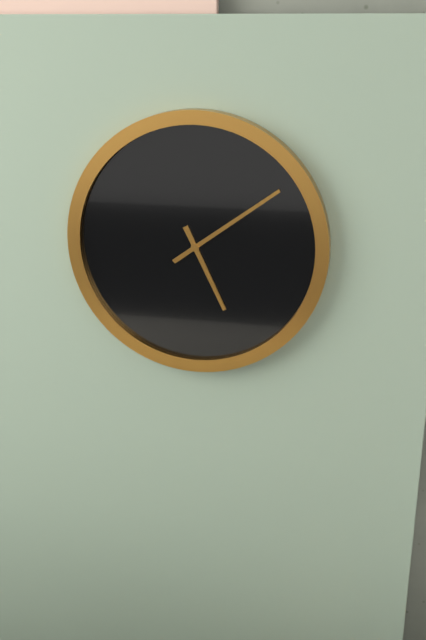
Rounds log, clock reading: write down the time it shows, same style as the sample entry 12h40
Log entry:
5h09
